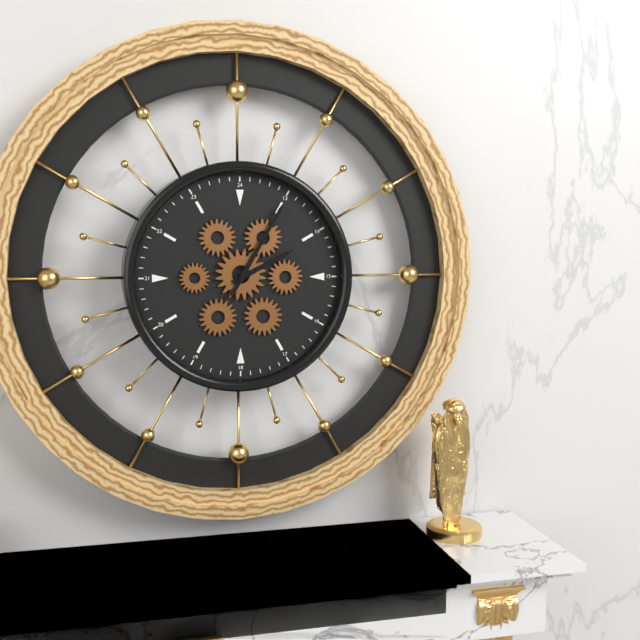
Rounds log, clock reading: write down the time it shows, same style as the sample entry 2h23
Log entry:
2h05
